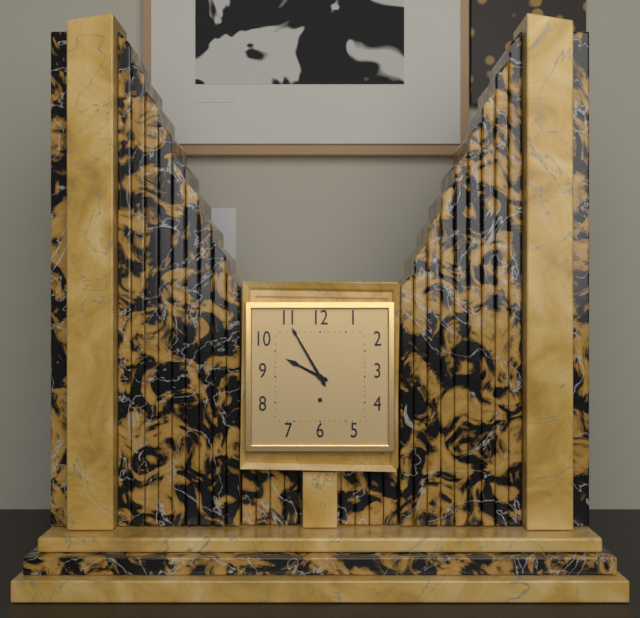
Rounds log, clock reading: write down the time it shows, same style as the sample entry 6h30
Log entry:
9h55
